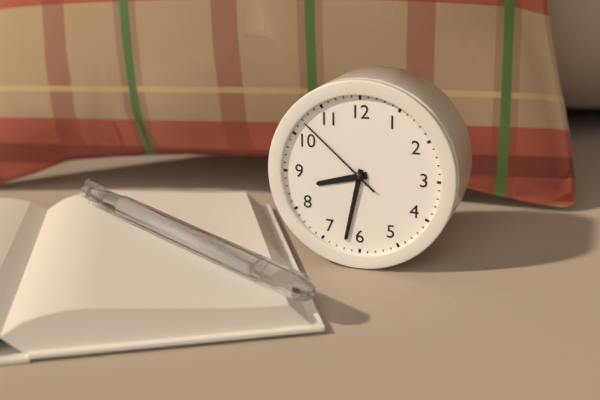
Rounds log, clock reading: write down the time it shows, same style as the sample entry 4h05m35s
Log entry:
8h32m52s
